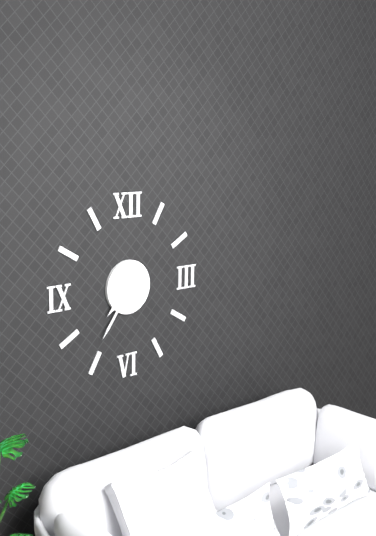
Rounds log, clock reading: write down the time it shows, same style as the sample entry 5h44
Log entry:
7h36
